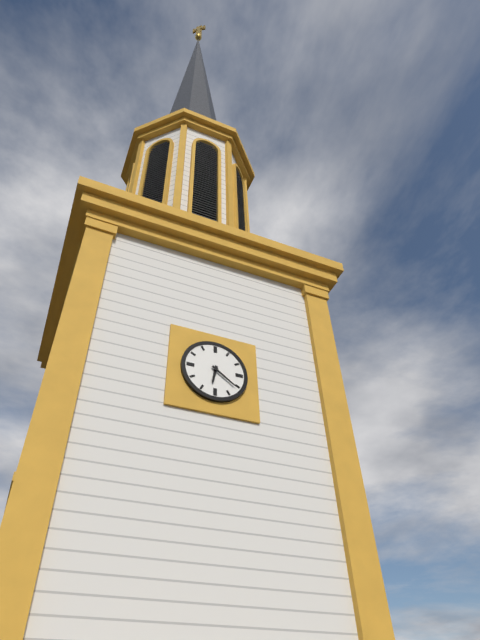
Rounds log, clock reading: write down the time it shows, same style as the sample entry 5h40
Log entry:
6h21
